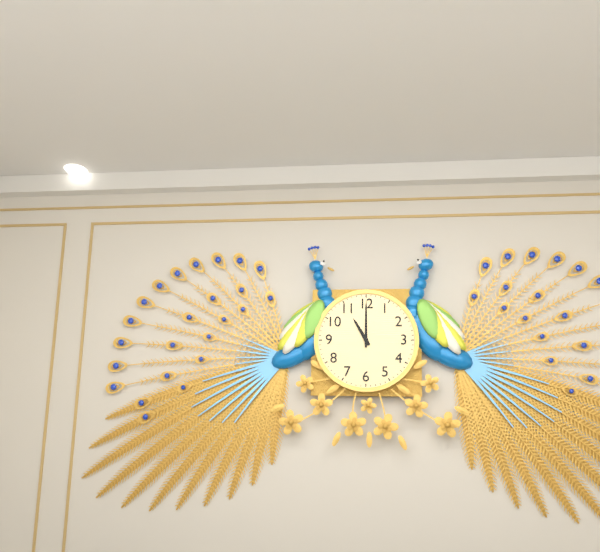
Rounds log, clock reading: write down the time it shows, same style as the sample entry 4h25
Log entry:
11h00
